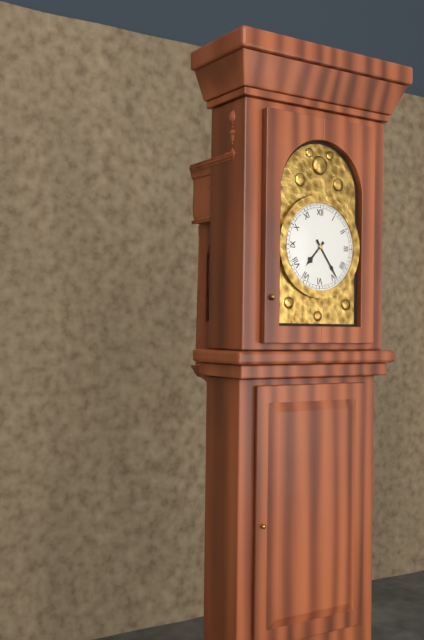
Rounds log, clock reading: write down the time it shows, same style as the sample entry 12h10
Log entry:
7h24
